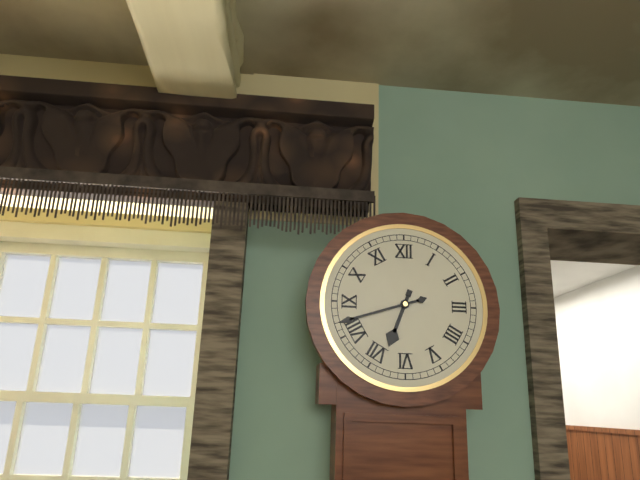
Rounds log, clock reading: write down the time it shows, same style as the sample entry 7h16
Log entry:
6h42
